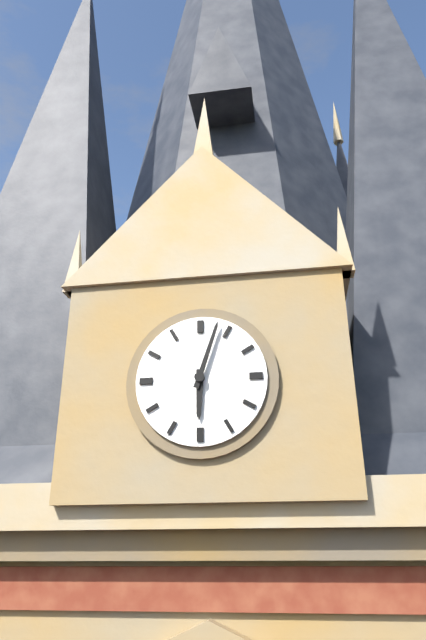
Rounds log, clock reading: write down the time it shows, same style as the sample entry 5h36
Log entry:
6h03
